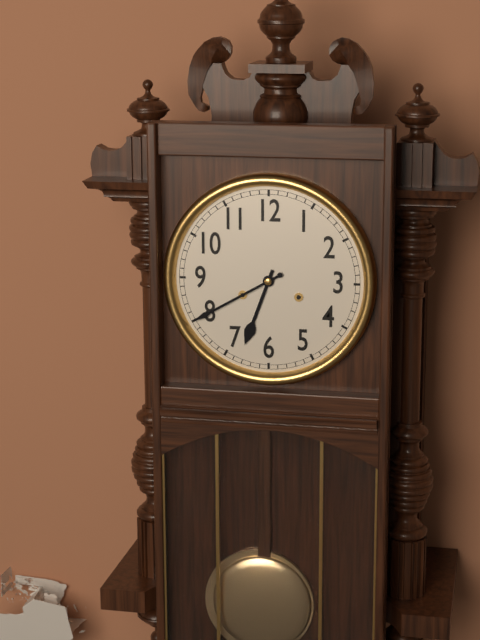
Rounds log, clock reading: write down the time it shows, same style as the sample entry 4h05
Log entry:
6h40
